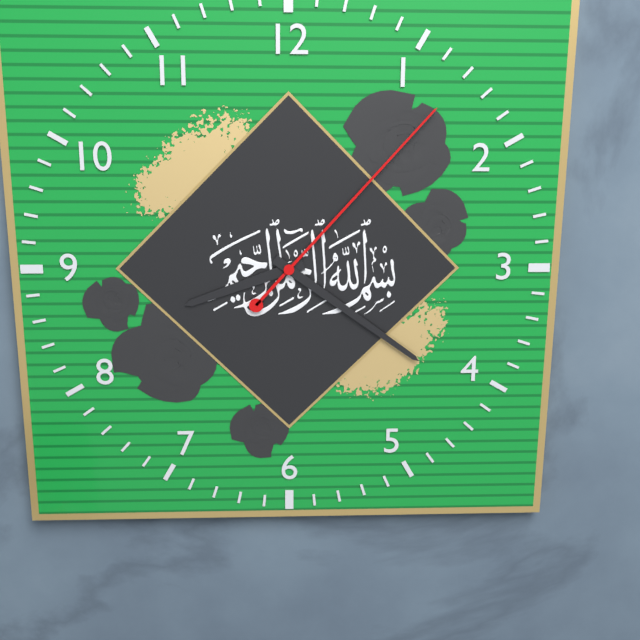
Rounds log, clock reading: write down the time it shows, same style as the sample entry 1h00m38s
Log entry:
8h21m07s
